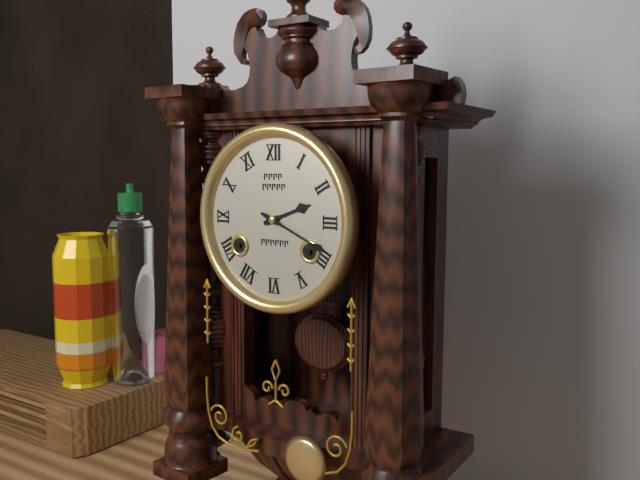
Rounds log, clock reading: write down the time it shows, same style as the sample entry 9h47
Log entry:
2h19
